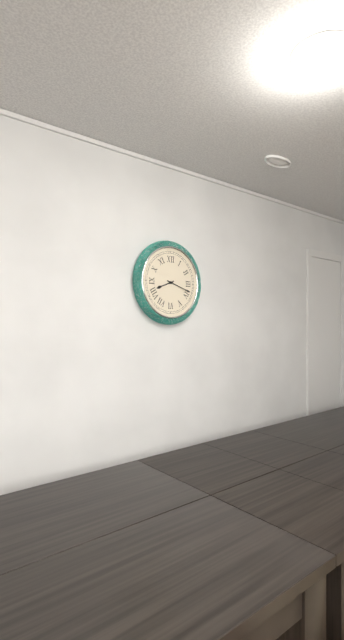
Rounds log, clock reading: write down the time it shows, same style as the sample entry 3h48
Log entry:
8h18
